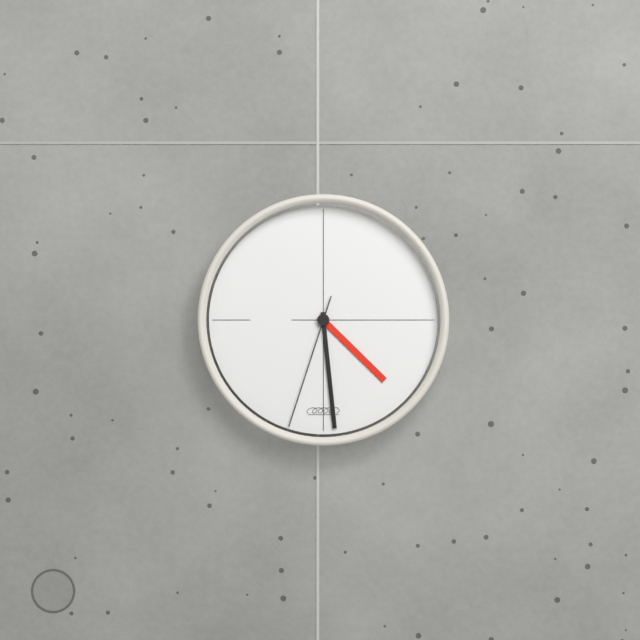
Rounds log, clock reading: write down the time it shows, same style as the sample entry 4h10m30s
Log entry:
4h29m33s
